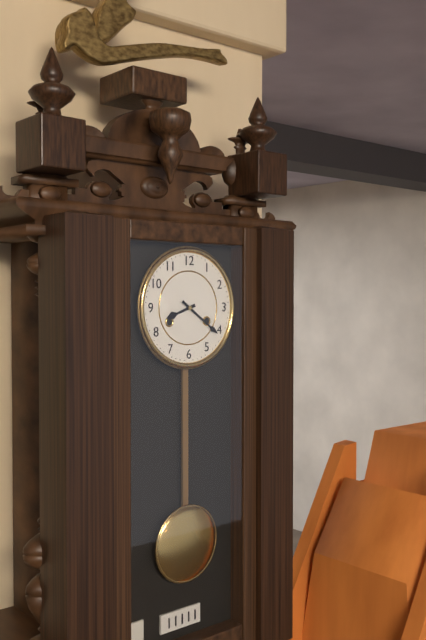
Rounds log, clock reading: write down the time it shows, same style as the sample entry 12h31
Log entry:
8h21
